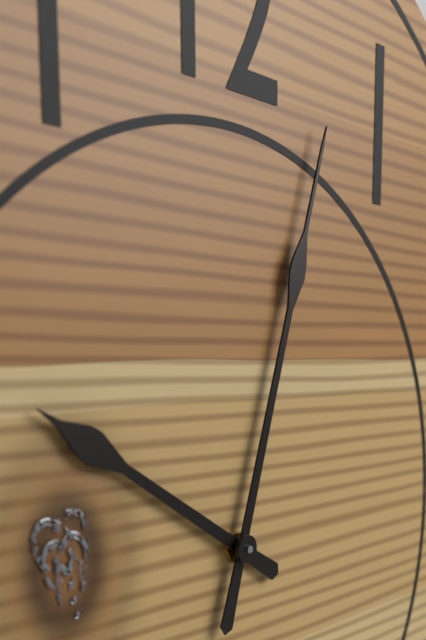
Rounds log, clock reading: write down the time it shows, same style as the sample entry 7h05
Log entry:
10h03
